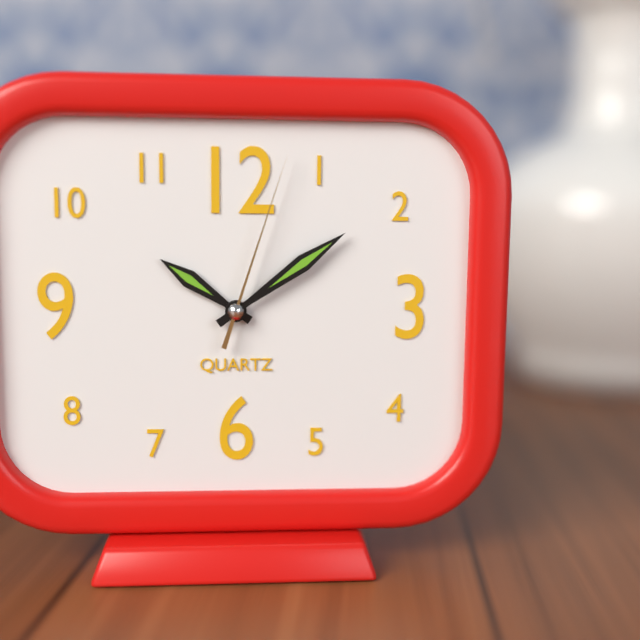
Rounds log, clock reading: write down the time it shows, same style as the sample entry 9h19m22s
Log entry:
10h09m03s
